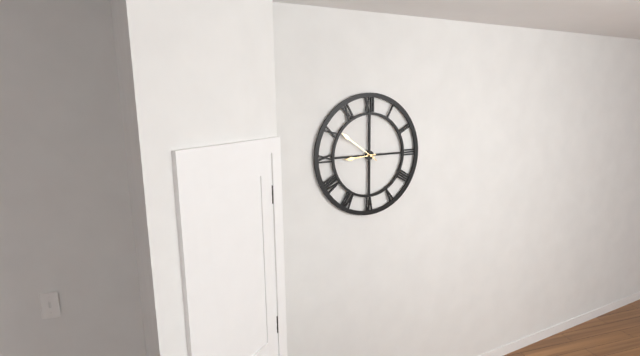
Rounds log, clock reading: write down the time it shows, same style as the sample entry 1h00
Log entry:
8h51
